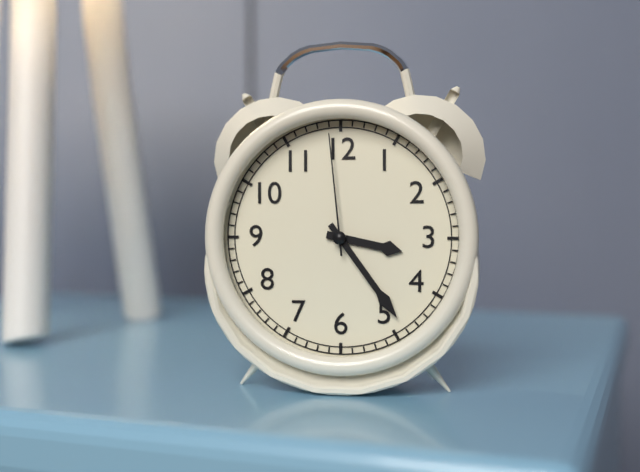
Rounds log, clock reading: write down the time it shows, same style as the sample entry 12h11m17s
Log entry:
3h24m59s
